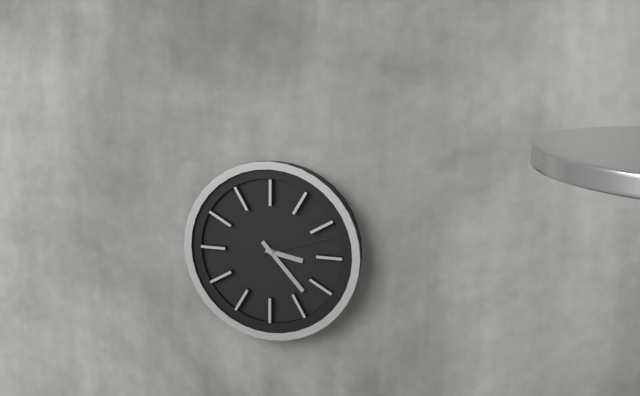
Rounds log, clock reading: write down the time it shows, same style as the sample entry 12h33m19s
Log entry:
3h23m12s
